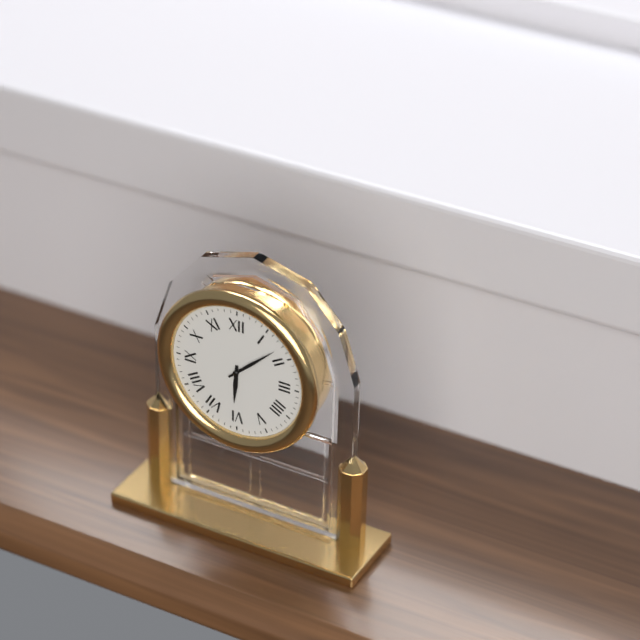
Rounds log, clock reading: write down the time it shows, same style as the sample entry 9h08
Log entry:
6h08
